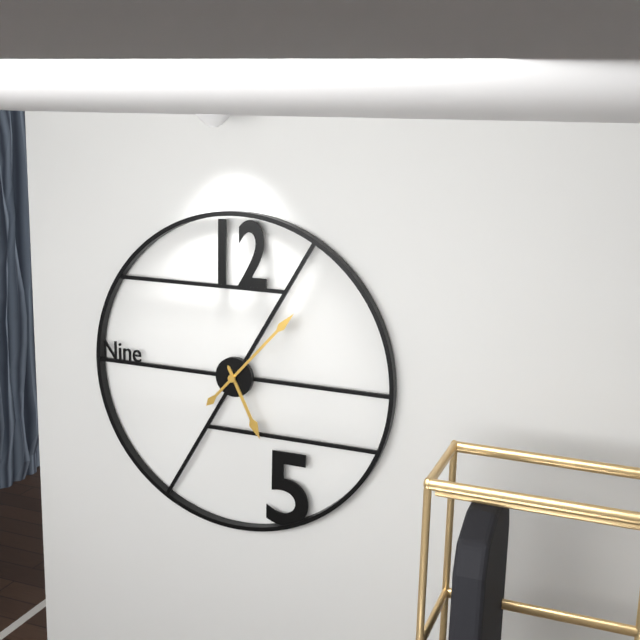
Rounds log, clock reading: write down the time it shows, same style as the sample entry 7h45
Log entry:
5h07
